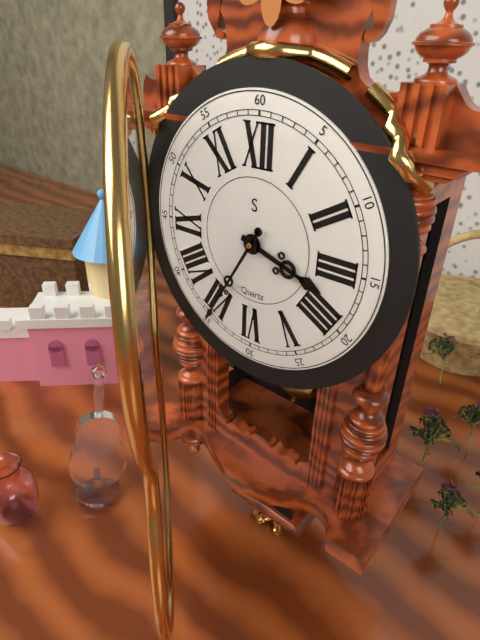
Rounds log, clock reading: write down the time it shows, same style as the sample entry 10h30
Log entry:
3h35
